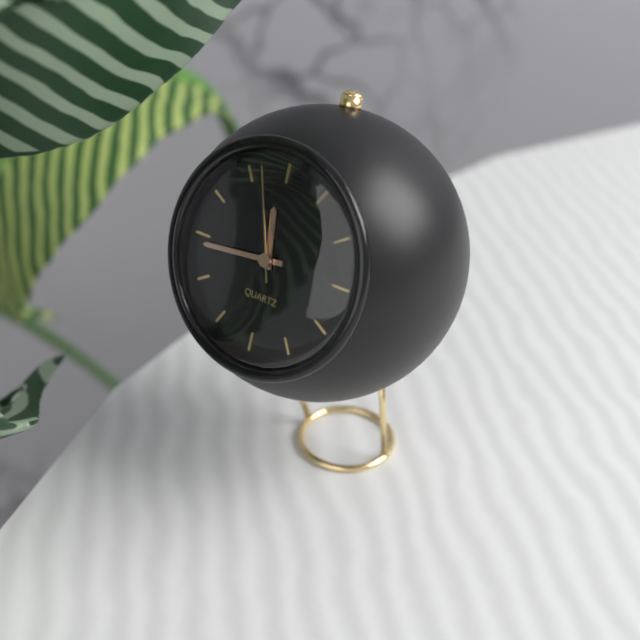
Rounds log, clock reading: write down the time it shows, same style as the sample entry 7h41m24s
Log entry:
11h44m57s
